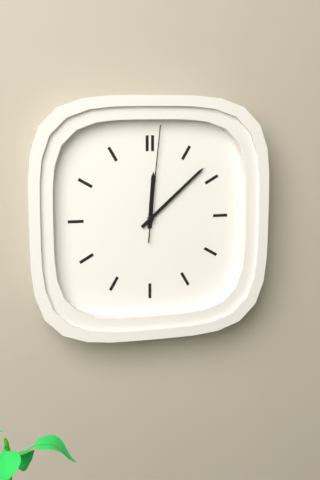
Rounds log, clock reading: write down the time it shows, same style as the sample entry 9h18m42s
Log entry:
12h08m01s
